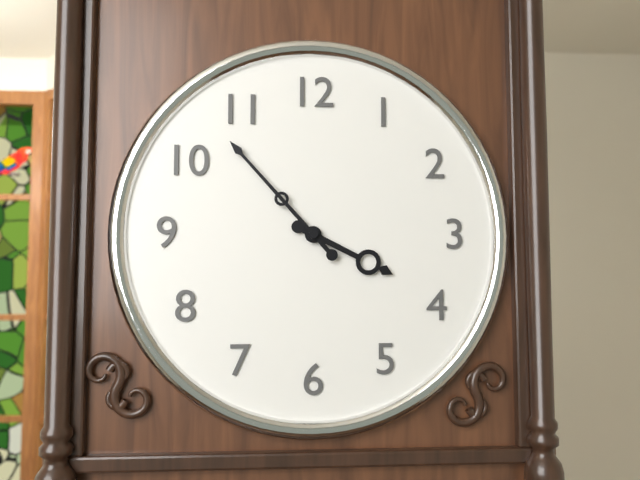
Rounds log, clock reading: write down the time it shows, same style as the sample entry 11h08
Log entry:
3h53
